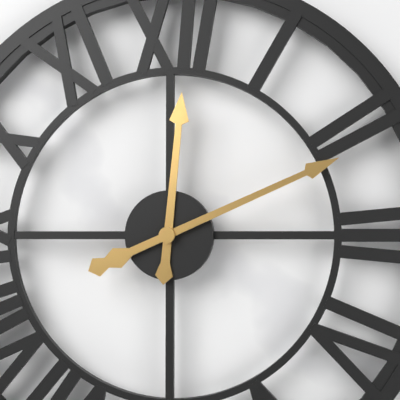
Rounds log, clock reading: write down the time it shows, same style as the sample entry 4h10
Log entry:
12h11
